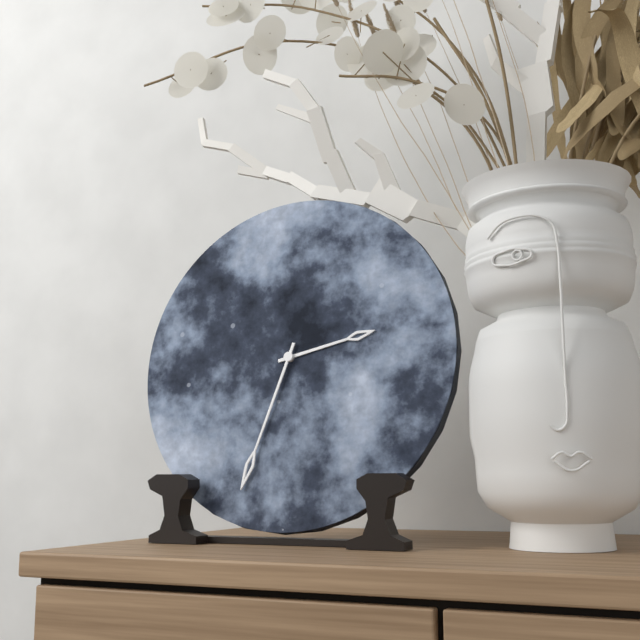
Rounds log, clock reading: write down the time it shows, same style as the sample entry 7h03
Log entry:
2h33
